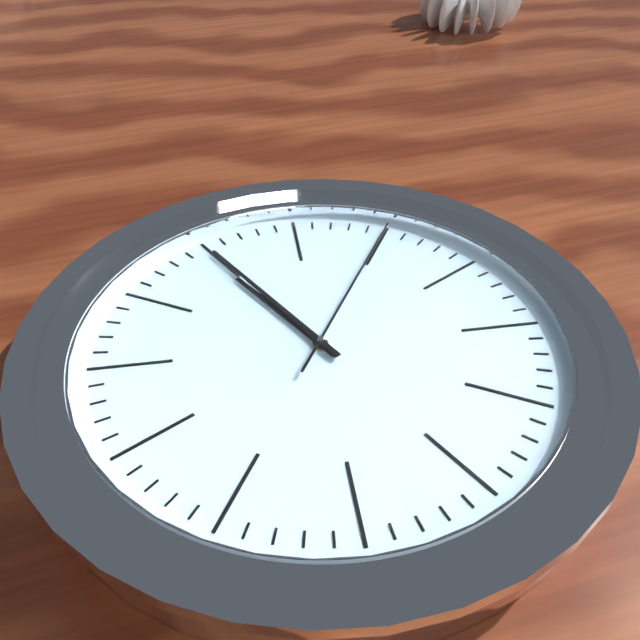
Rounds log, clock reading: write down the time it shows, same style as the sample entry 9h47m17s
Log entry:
10h55m05s
